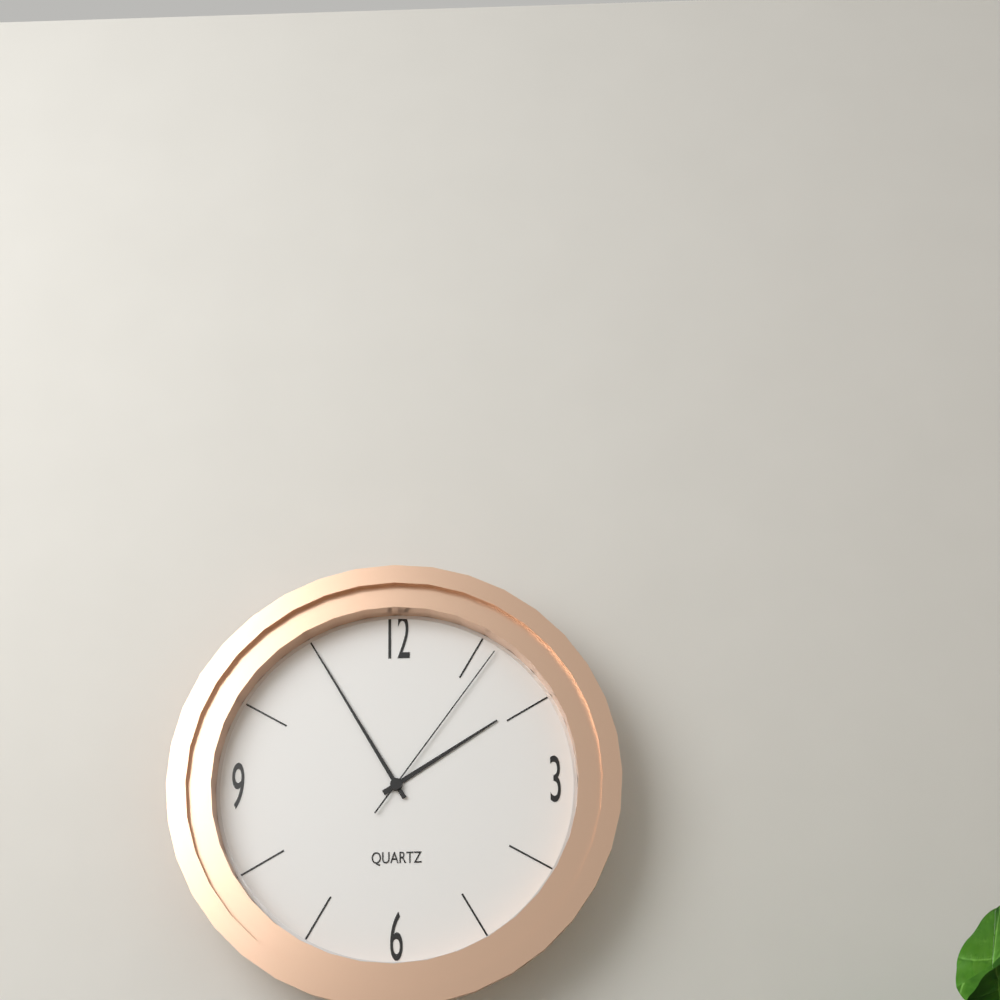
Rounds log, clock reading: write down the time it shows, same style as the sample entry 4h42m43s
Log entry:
1h55m06s
